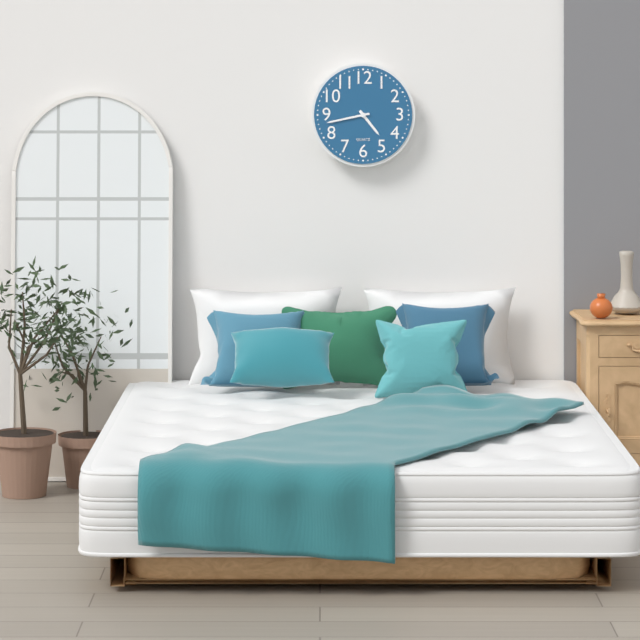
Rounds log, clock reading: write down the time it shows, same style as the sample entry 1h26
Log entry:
4h43
